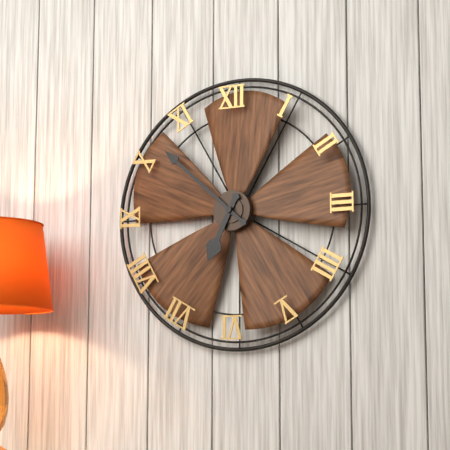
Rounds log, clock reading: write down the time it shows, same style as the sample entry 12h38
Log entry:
6h52
